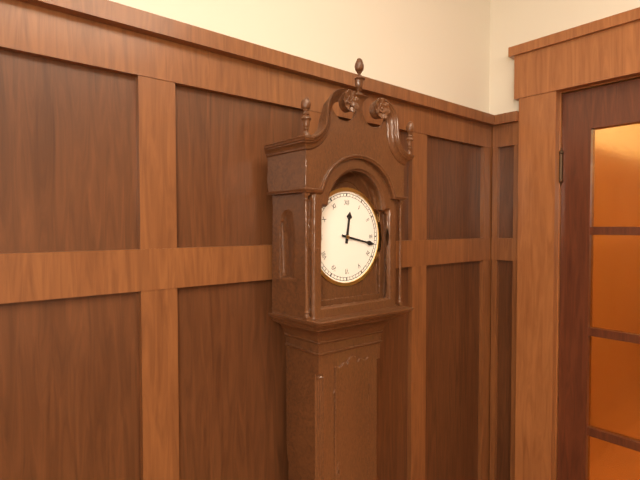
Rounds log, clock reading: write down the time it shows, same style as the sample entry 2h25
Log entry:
12h17
